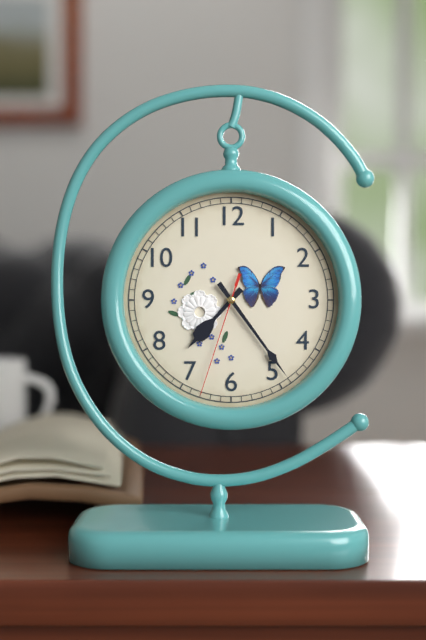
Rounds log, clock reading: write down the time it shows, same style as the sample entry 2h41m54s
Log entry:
7h24m33s
